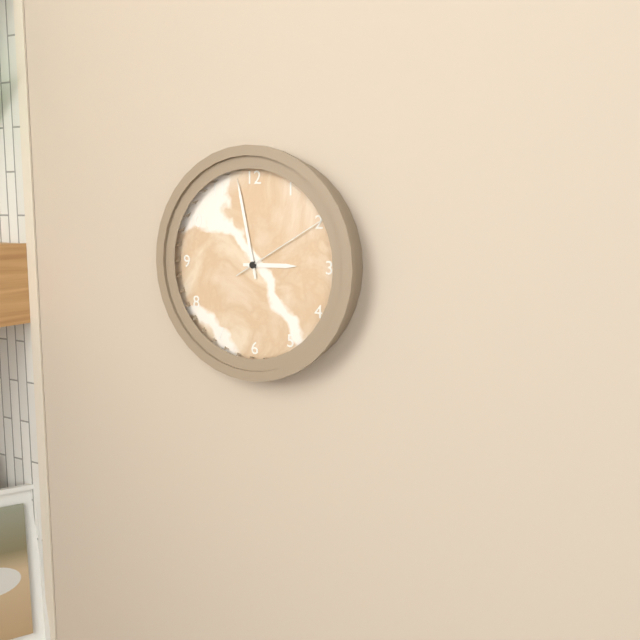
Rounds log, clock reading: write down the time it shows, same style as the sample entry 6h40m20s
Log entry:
2h58m10s
